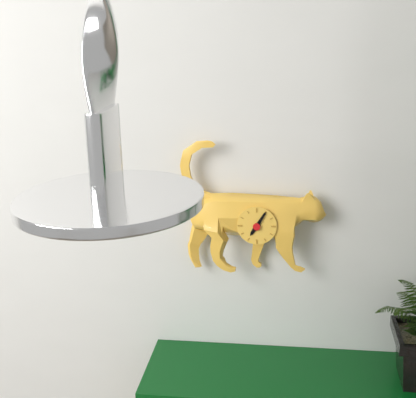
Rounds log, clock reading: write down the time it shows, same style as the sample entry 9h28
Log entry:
7h05
